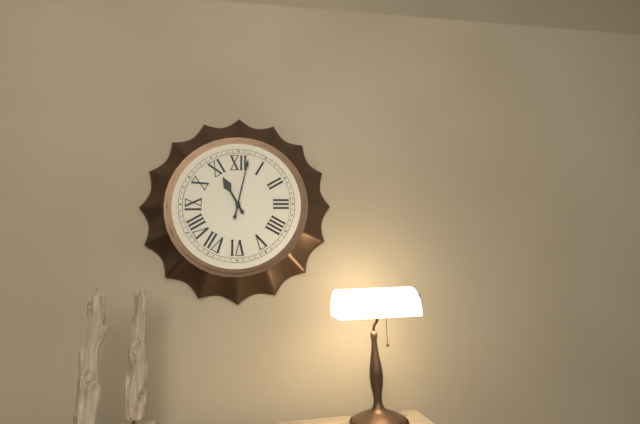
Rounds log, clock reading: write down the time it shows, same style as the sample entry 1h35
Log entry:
11h02
